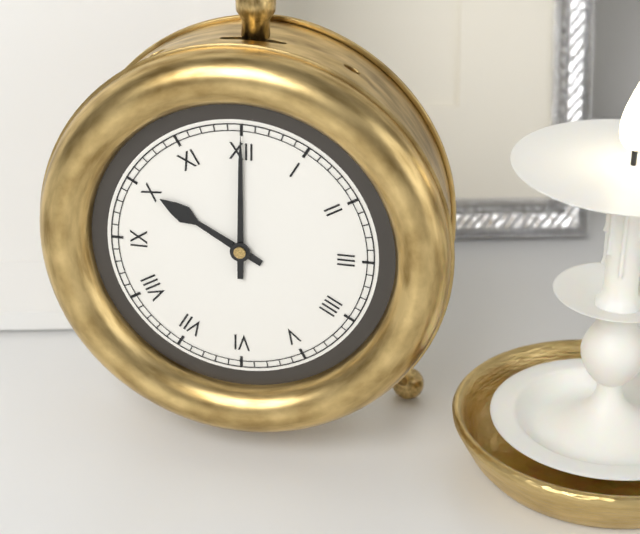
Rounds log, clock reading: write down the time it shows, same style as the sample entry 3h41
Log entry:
10h00
